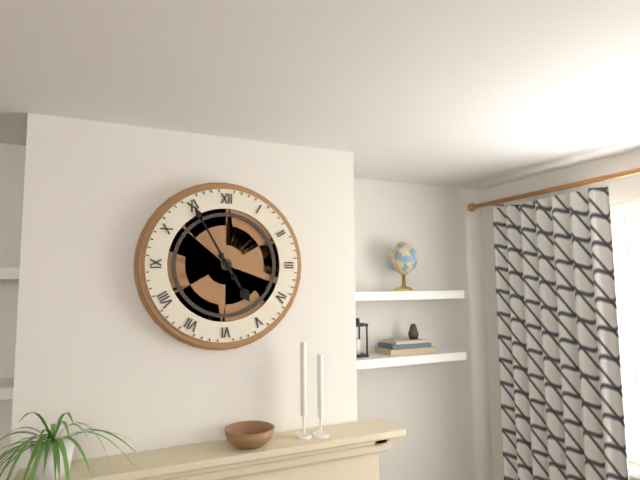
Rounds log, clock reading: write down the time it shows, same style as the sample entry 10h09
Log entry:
4h55
